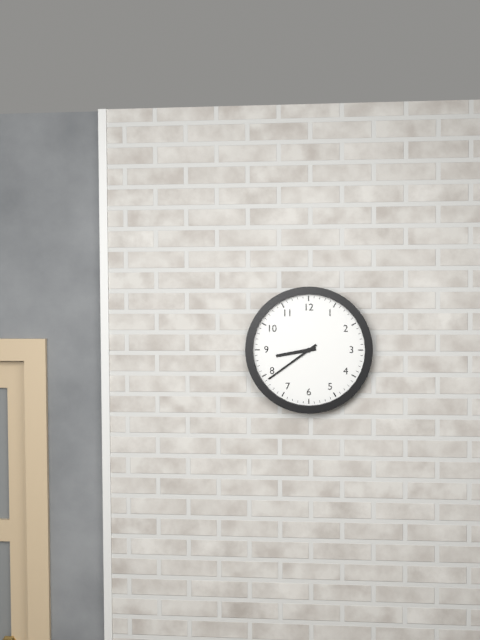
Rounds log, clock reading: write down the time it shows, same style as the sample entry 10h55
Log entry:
8h39
